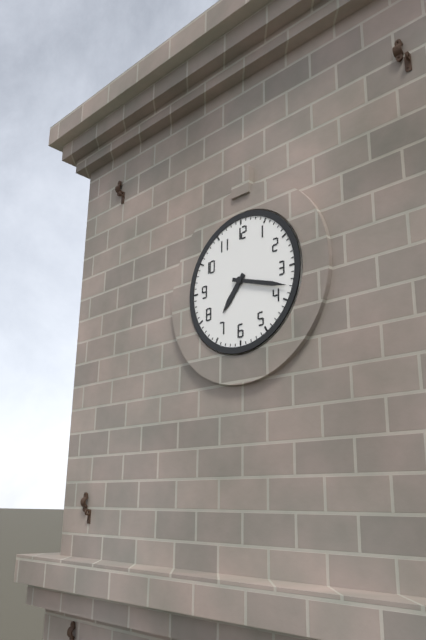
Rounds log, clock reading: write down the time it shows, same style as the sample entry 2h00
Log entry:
7h18
